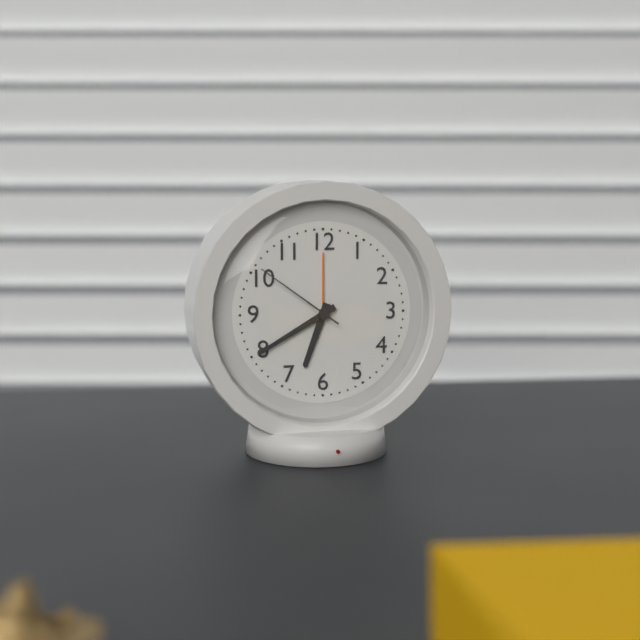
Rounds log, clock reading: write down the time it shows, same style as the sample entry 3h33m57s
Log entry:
6h40m51s
